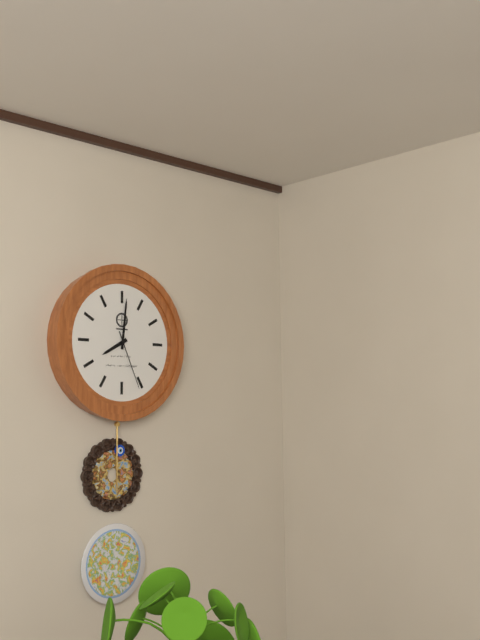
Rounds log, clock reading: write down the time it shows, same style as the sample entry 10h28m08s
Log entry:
8h01m26s
